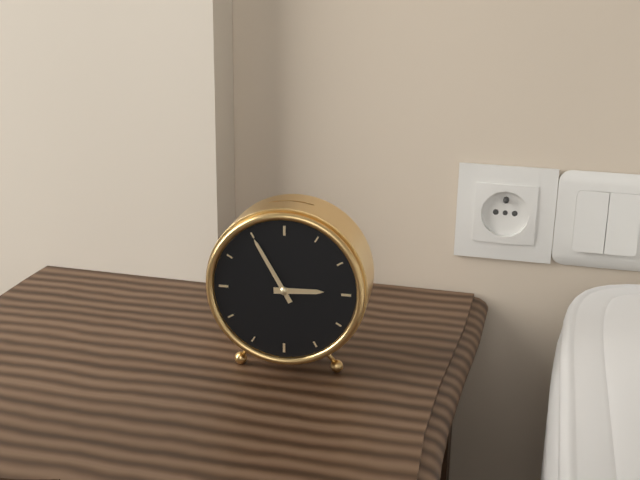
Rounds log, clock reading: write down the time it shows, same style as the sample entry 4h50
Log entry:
2h55
